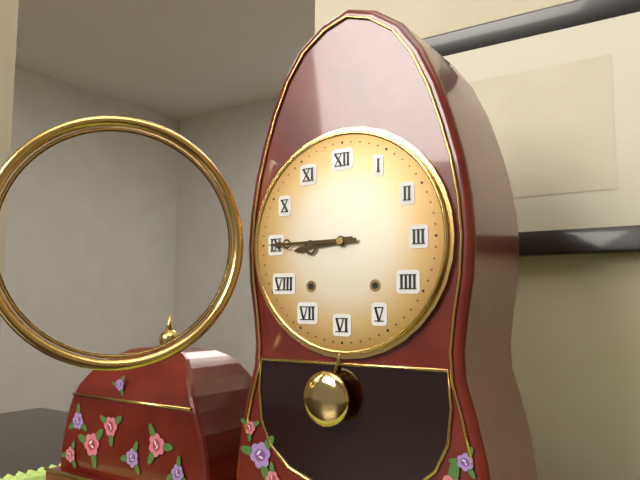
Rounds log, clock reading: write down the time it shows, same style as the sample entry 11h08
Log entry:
8h45
